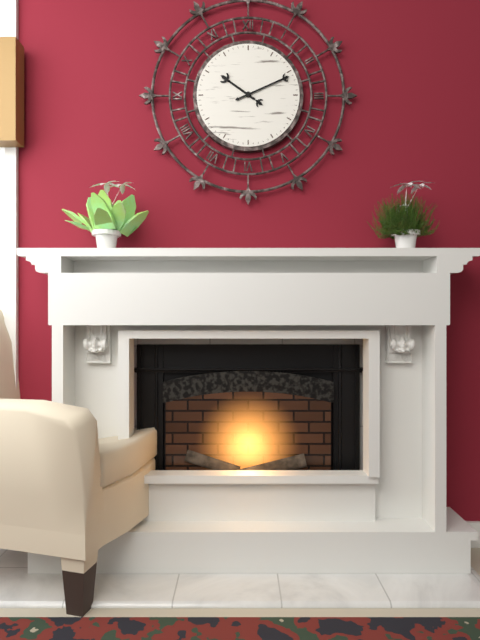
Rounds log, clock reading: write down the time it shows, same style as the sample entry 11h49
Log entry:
10h11
